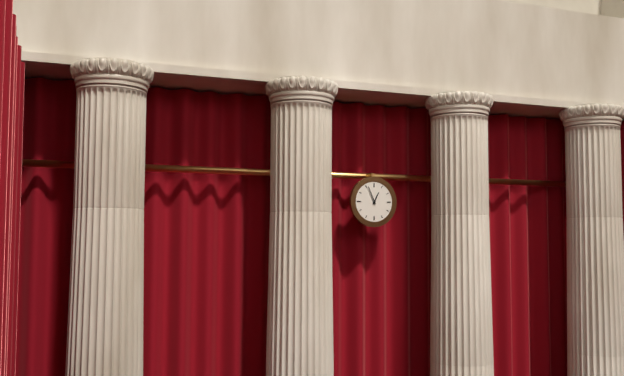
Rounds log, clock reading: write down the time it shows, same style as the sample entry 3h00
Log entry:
12h56
